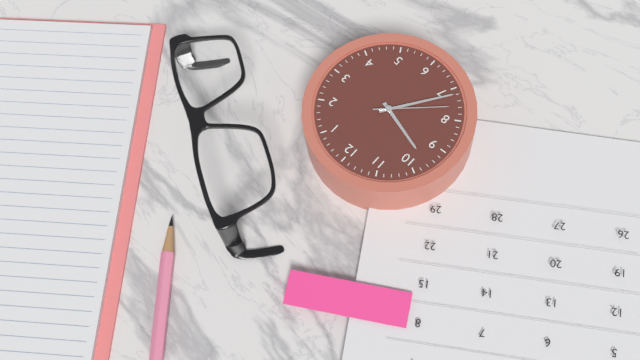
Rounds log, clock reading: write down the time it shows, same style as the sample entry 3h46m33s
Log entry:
9h36m38s
